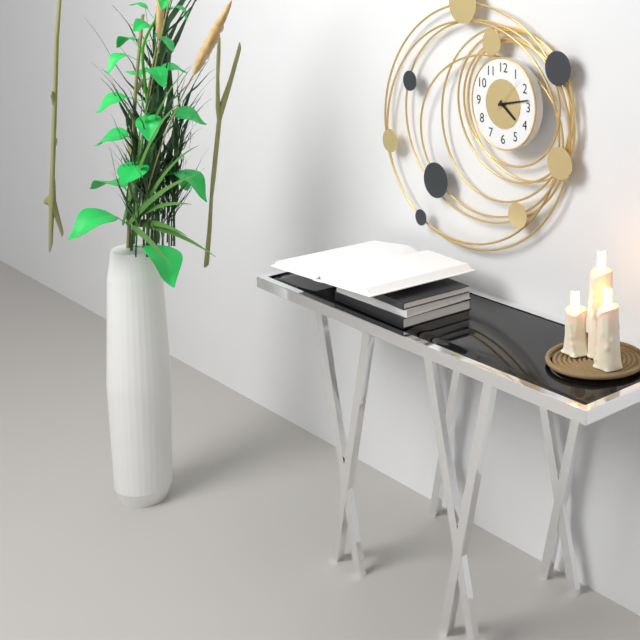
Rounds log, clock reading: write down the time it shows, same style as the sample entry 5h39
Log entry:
4h13
